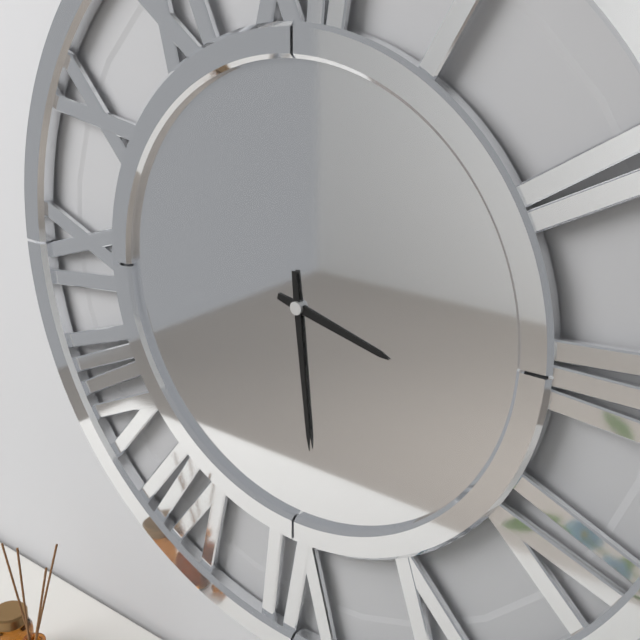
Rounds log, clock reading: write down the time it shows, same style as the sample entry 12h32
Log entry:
3h29
